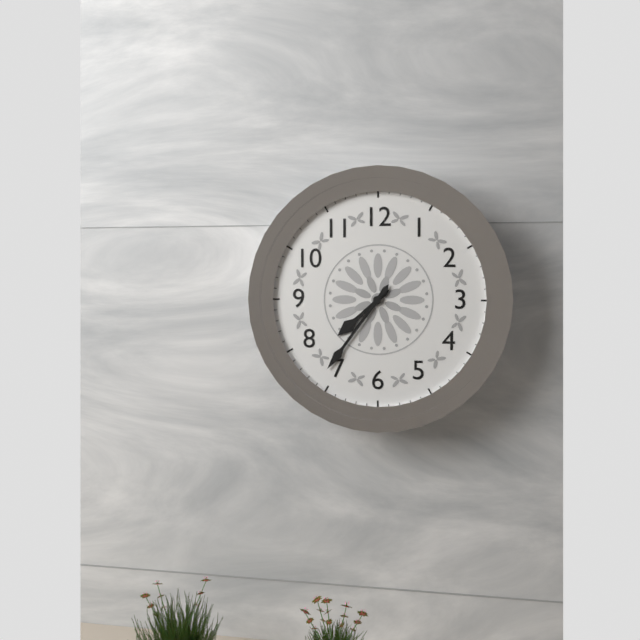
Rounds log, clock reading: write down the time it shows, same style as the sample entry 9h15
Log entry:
7h36
